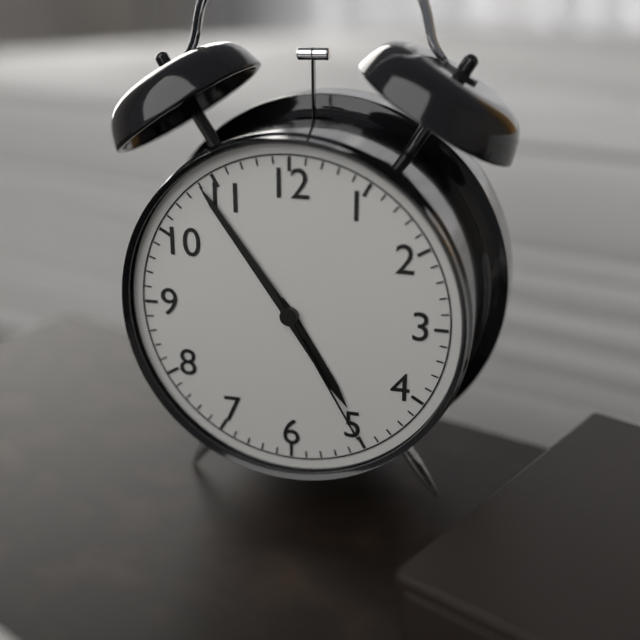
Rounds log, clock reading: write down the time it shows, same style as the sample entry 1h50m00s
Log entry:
4h54m25s
